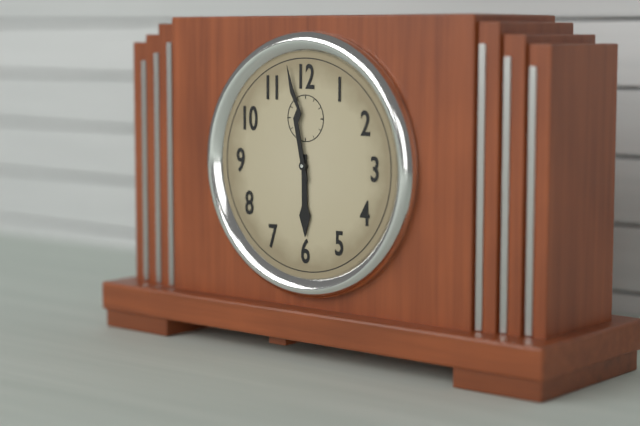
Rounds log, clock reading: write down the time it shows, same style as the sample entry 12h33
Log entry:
5h58
